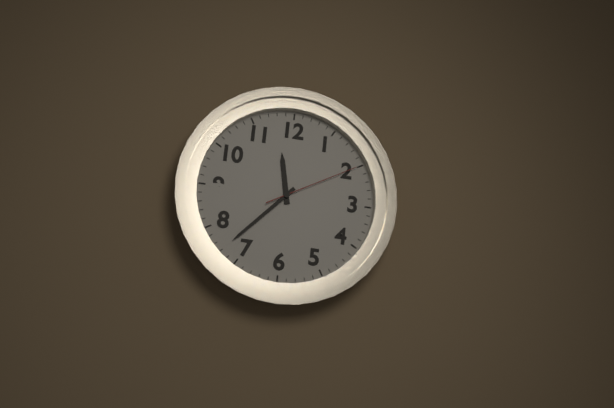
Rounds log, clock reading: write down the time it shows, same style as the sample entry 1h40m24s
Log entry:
11h37m10s
